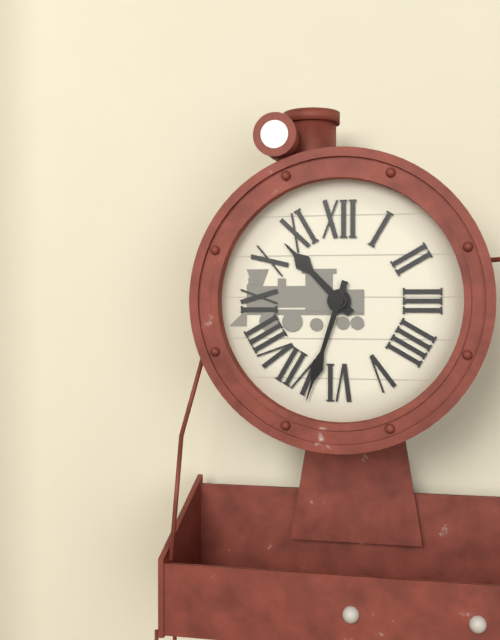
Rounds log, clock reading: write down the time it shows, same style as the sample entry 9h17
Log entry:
10h33
